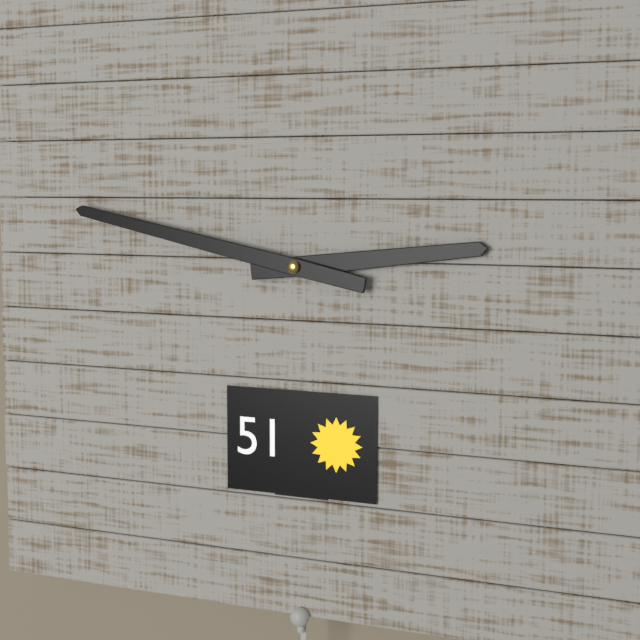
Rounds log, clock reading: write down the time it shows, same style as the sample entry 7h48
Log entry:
2h47
